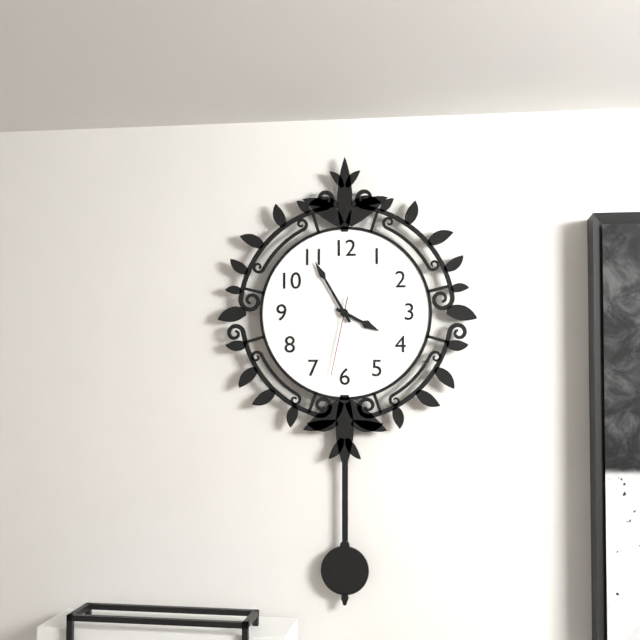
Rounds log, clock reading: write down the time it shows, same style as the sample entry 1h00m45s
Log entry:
3h55m32s
